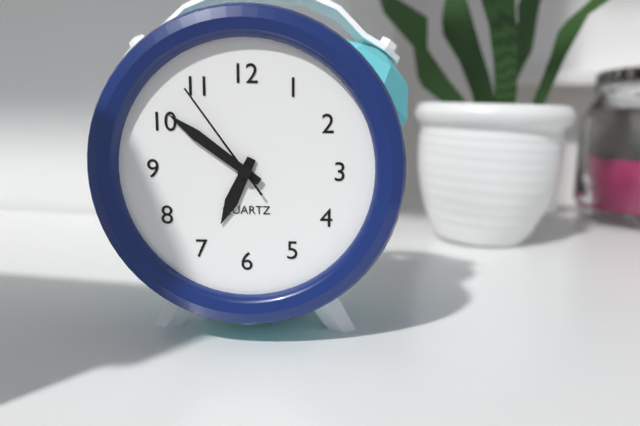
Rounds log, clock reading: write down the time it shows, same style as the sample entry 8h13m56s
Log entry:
6h51m54s
